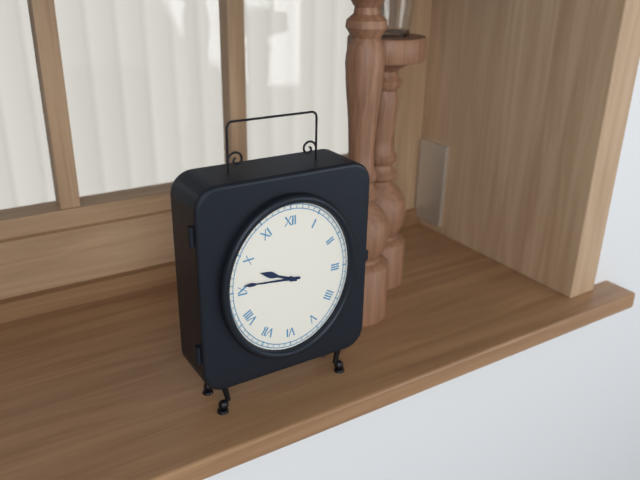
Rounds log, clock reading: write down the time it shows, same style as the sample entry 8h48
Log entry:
9h46
